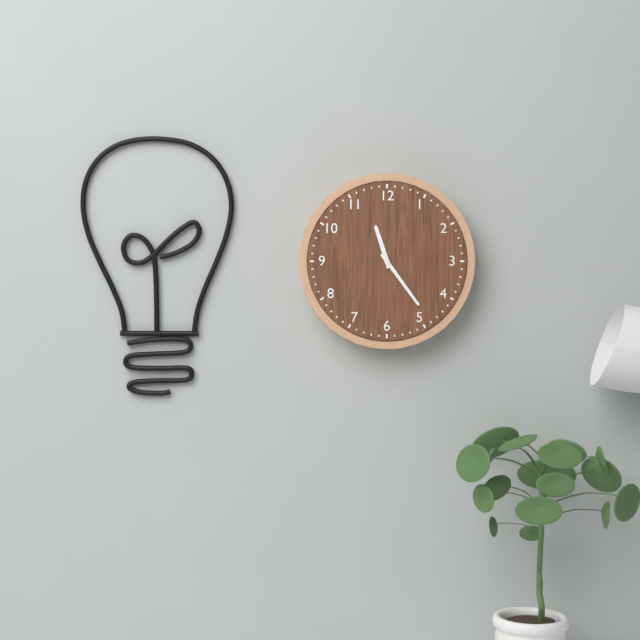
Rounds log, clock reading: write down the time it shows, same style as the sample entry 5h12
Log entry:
11h24
